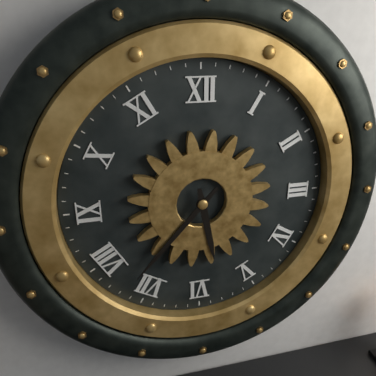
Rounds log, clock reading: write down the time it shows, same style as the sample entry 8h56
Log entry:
5h37
